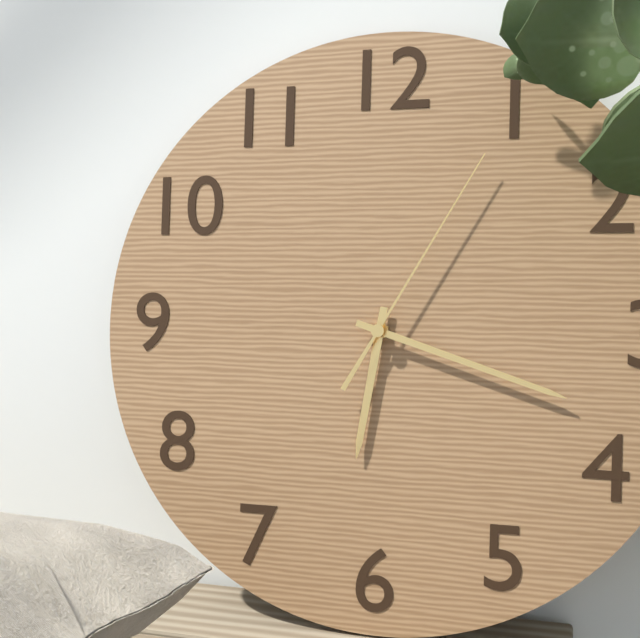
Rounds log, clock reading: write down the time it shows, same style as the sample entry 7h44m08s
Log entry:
6h18m05s
